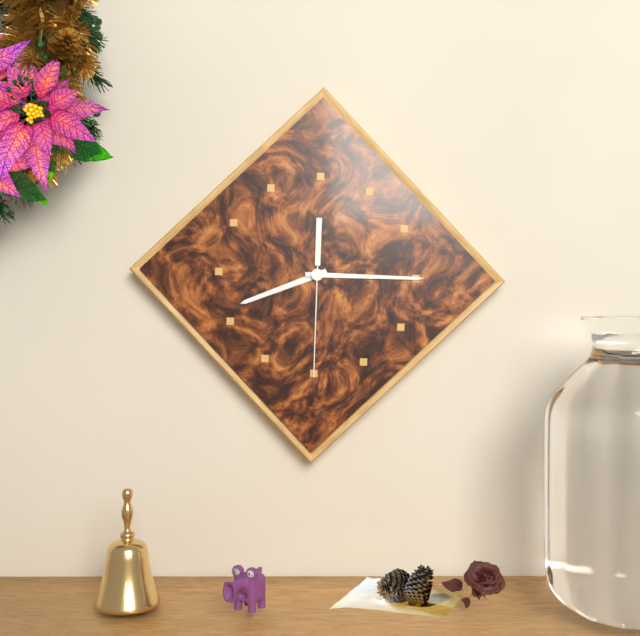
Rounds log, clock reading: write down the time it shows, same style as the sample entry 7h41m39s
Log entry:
8h15m30s
